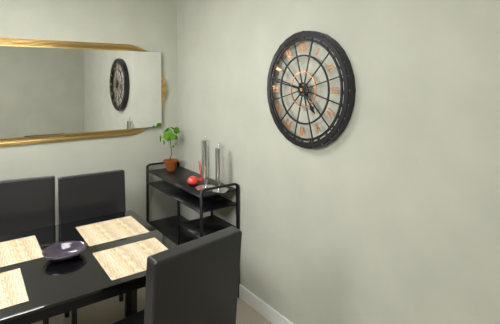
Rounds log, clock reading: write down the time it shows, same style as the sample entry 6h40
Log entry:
4h47
